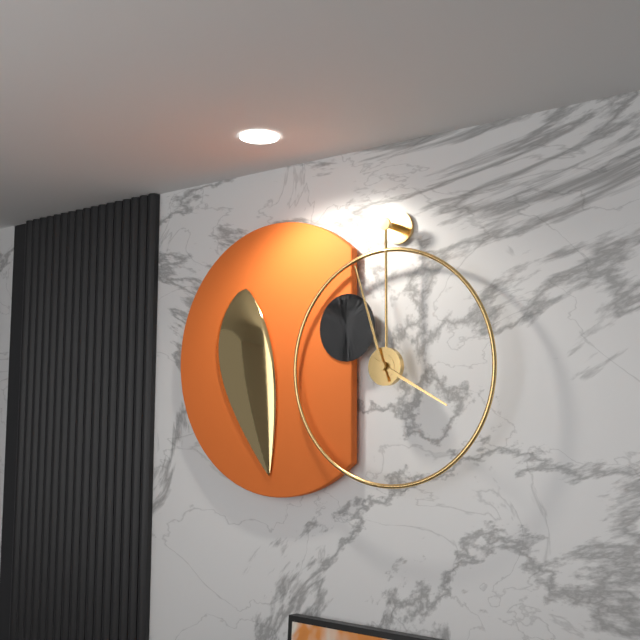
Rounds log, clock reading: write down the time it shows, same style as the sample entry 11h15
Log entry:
3h57
